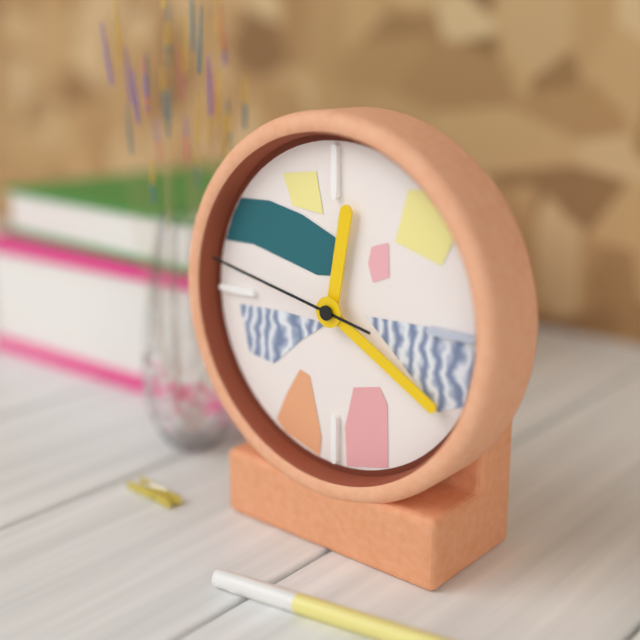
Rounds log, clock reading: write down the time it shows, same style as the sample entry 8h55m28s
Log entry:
12h20m47s
